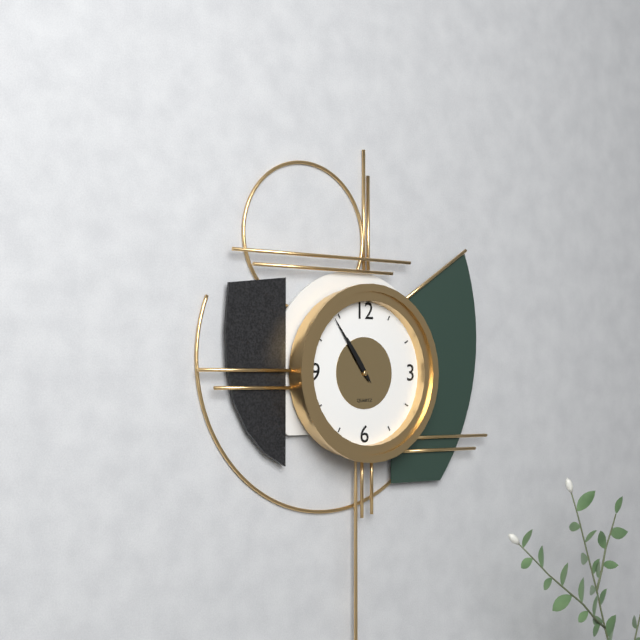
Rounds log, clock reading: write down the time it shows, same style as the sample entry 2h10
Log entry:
10h54
